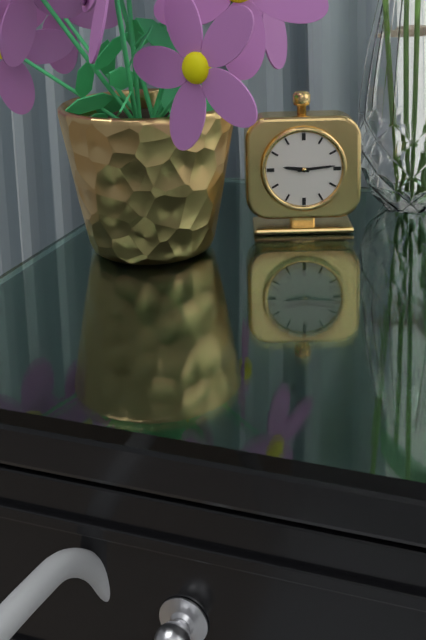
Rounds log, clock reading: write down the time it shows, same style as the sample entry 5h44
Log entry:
9h14
